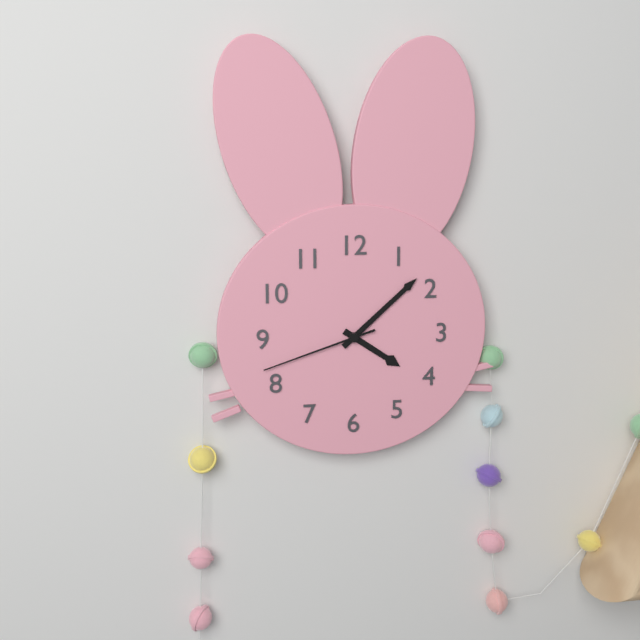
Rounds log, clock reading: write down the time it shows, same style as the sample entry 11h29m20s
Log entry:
4h08m42s
